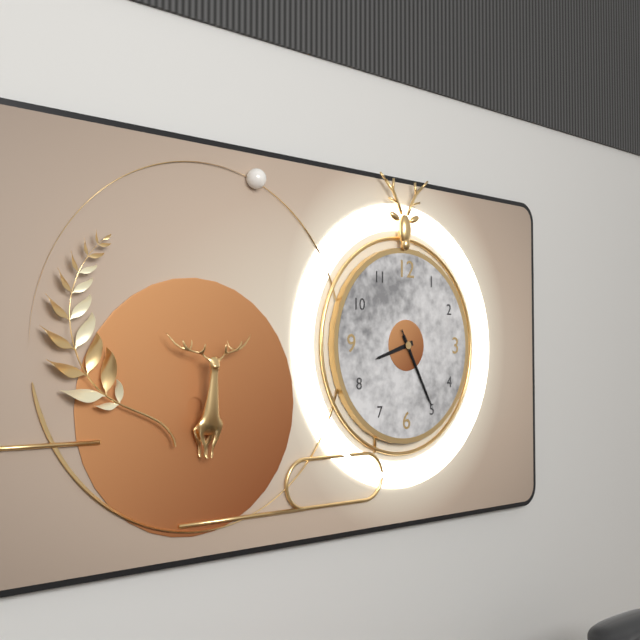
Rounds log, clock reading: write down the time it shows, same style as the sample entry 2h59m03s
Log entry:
8h25m25s
